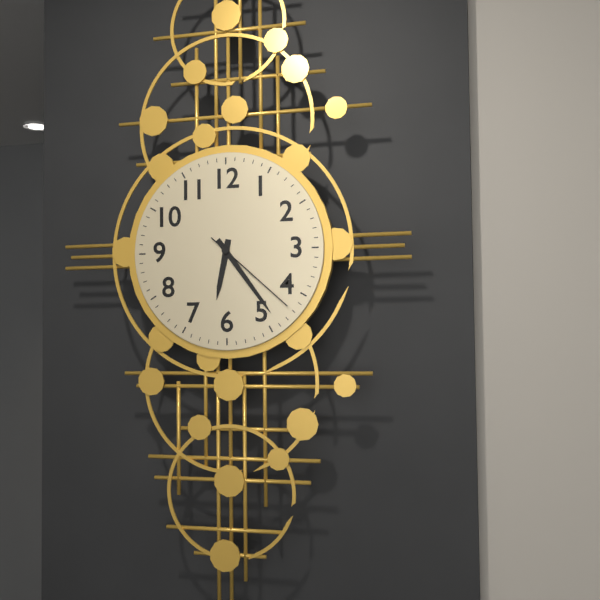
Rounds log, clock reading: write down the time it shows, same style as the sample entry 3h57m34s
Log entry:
6h24m22s
